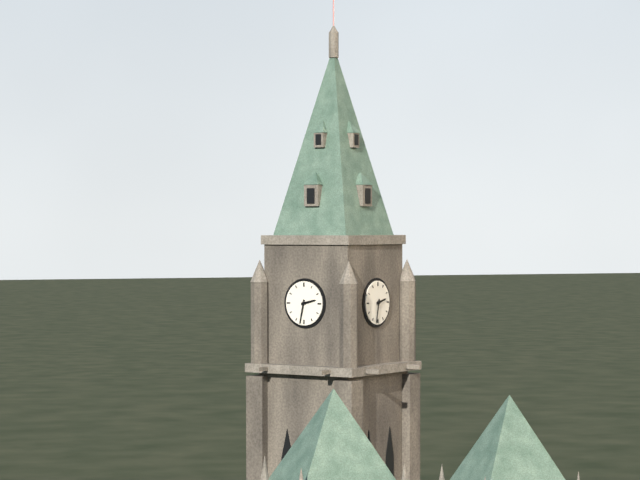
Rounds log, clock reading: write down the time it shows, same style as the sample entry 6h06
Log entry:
2h32
